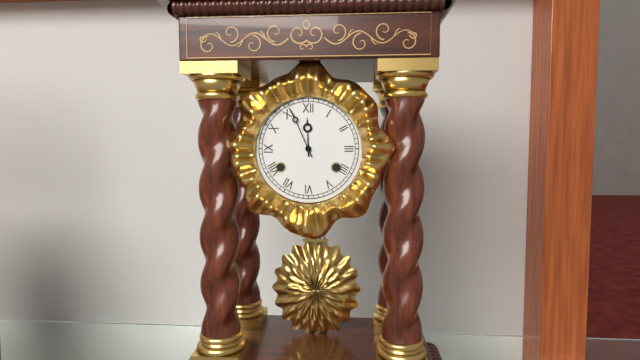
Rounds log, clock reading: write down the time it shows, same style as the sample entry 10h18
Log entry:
11h56
